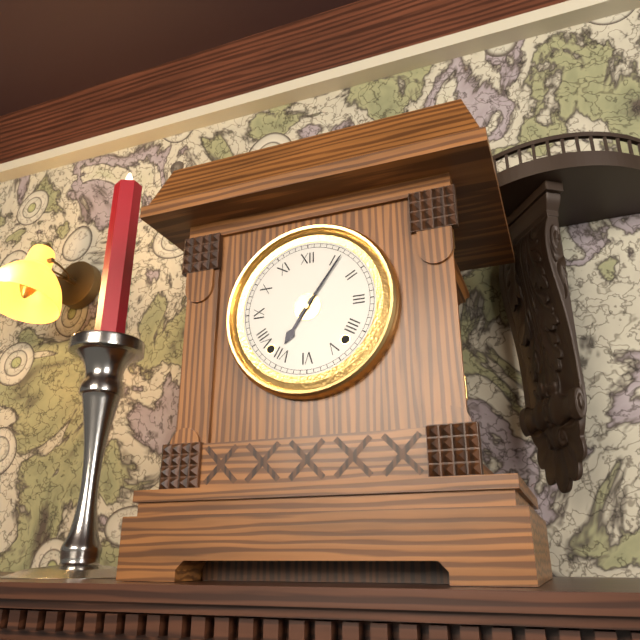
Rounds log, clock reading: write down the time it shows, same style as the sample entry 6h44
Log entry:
7h06
